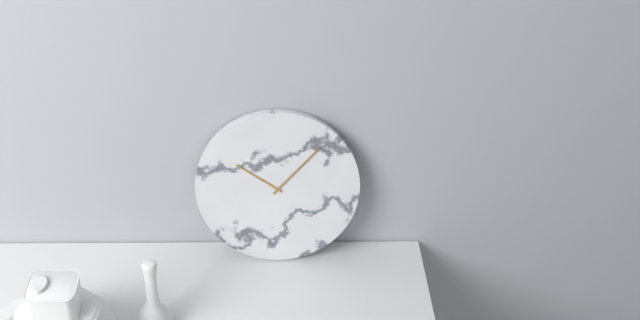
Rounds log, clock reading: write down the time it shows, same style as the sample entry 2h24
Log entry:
10h07
